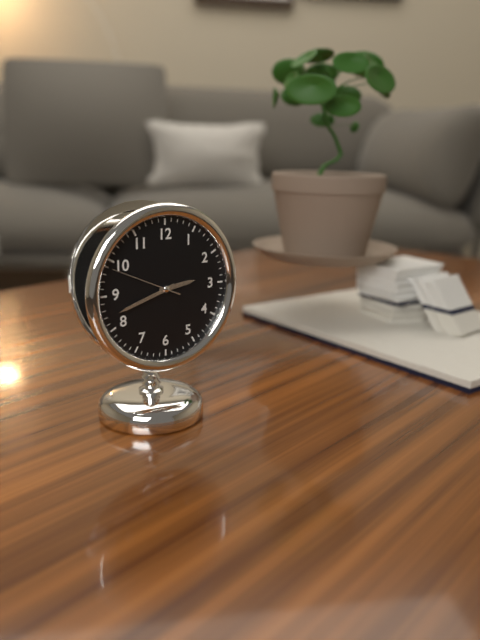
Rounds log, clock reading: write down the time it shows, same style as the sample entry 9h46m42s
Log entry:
2h42m49s
